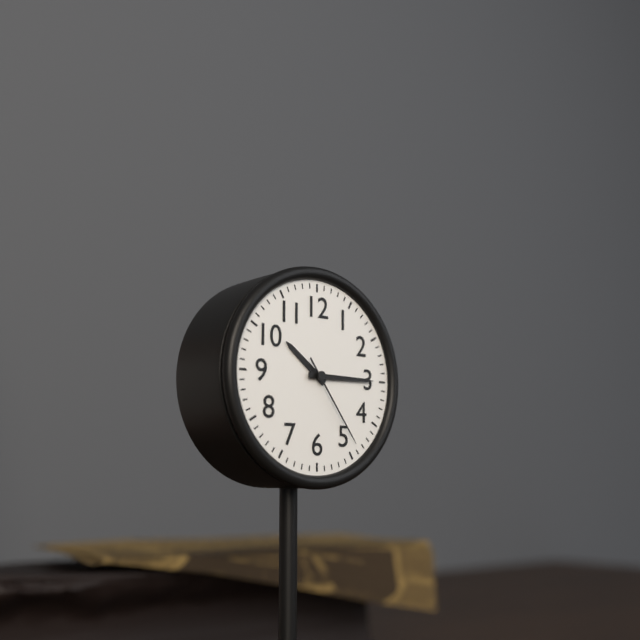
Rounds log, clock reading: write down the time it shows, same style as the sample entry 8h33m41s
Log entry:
10h15m24s
